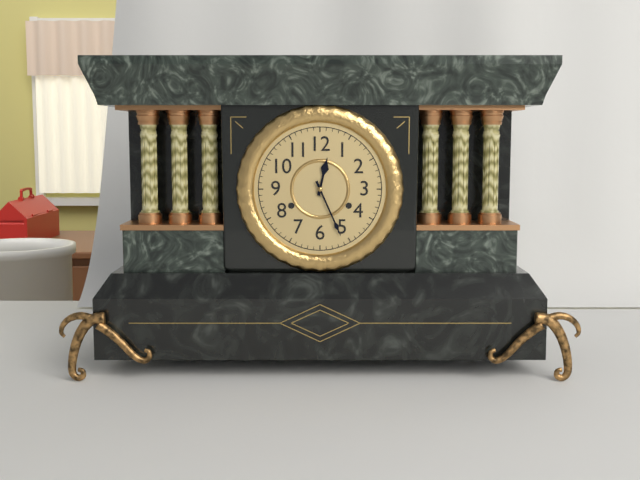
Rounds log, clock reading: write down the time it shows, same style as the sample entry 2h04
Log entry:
12h26
